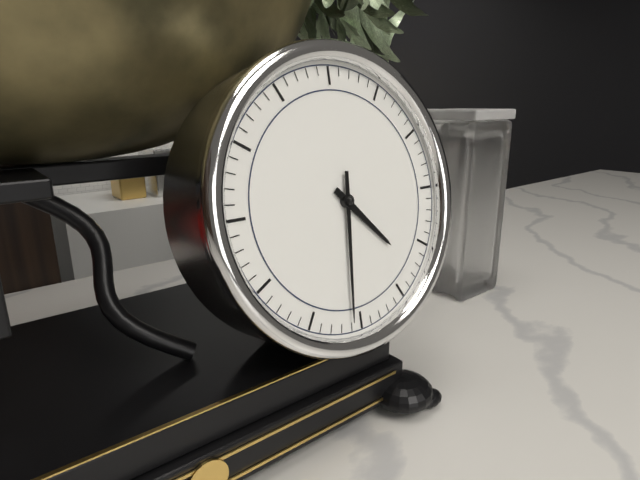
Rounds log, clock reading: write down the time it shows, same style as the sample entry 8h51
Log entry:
4h31
